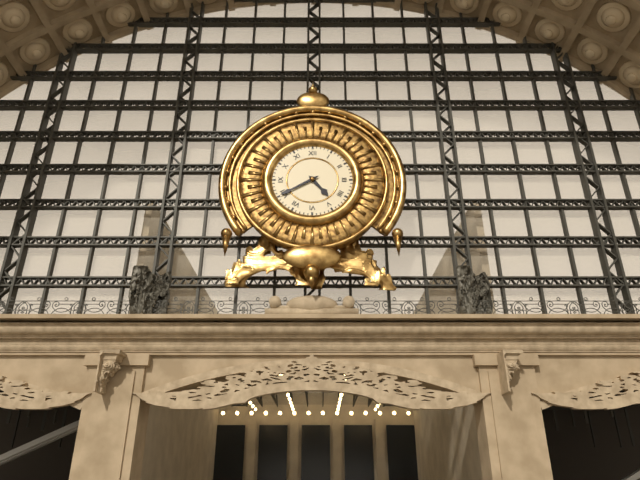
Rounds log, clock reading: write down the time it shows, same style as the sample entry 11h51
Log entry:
4h40
